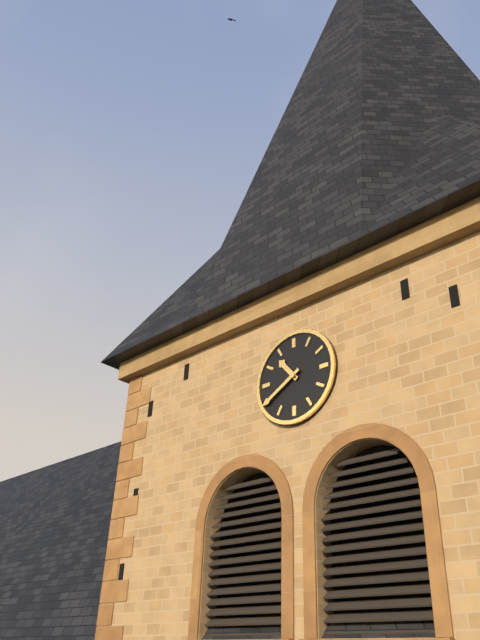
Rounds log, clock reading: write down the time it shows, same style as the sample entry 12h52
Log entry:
10h40
